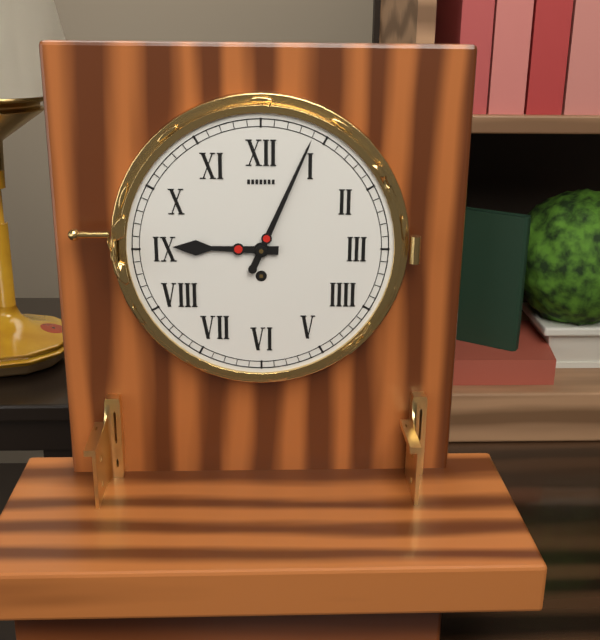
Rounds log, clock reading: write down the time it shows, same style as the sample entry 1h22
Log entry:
9h04
